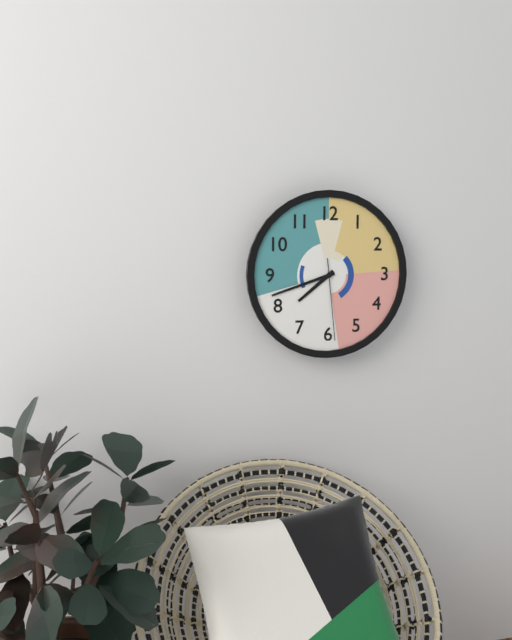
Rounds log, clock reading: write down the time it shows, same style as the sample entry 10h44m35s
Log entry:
7h42m29s
